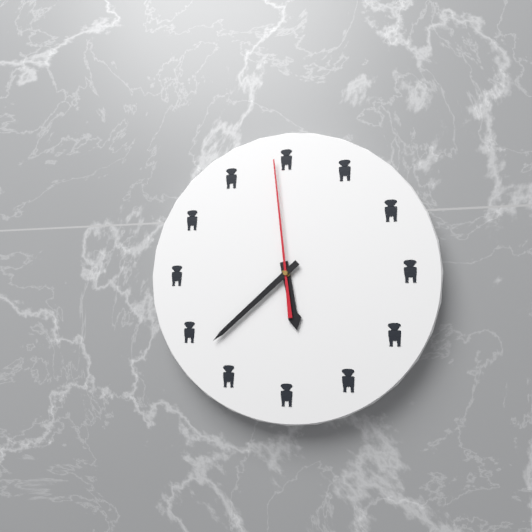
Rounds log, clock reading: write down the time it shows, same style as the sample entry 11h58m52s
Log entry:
5h38m59s
